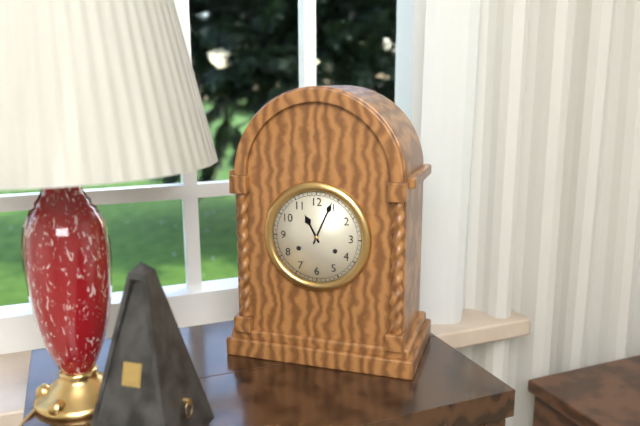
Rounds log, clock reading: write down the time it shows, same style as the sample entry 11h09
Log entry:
11h04
